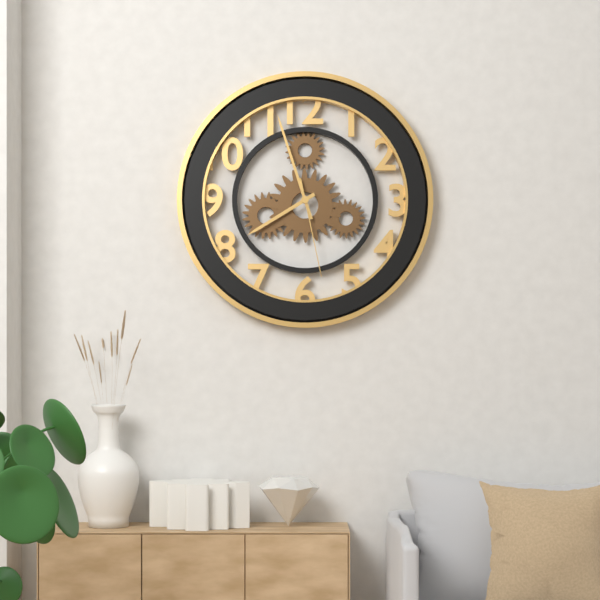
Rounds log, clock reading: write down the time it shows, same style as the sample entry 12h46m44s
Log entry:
7h57m28s
